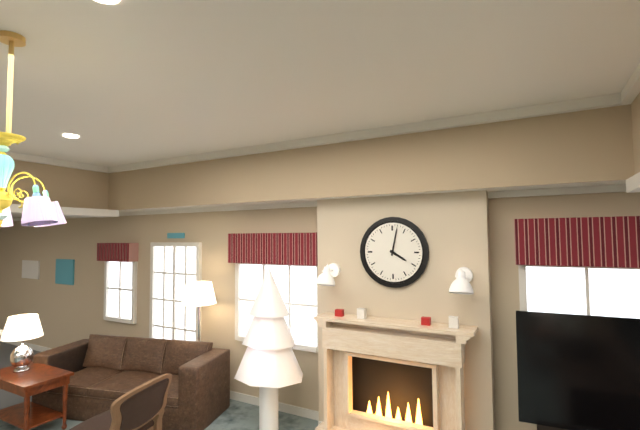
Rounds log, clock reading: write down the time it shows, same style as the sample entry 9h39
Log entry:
4h02
